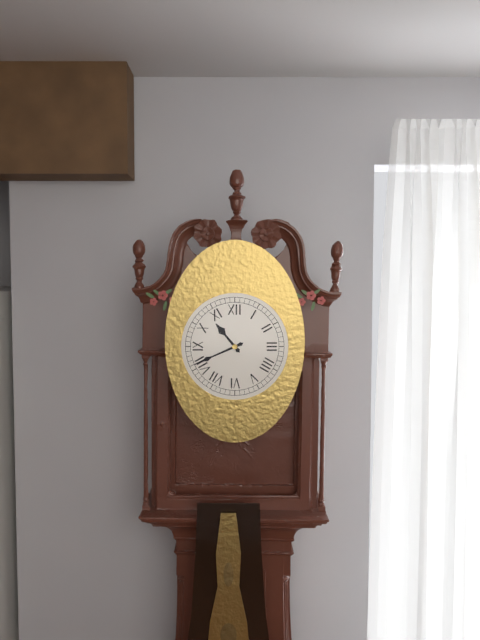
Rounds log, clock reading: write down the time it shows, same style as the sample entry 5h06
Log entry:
10h41
